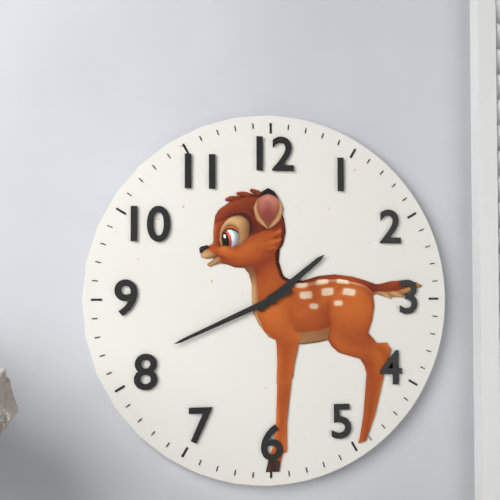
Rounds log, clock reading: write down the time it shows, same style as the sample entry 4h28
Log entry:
1h41
